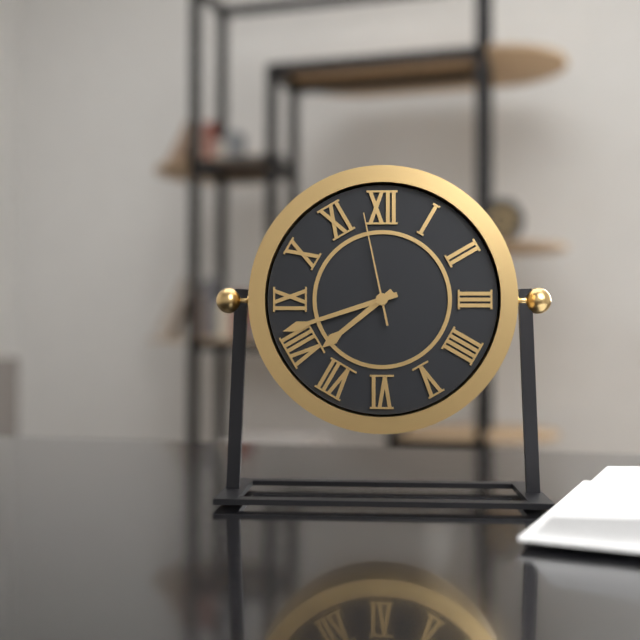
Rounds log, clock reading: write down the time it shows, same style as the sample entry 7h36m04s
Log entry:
7h42m58s
